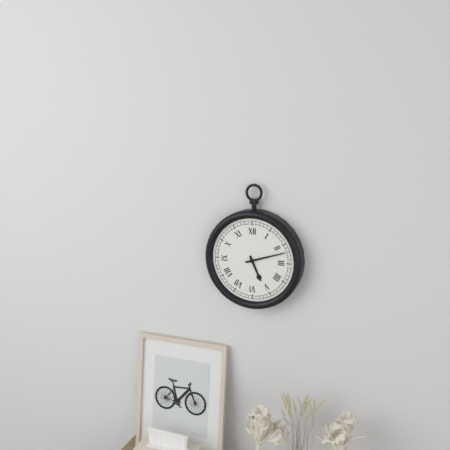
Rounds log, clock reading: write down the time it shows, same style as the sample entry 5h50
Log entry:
5h12
